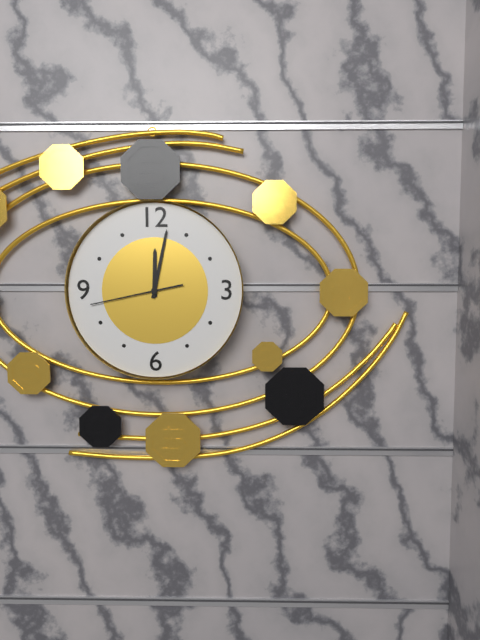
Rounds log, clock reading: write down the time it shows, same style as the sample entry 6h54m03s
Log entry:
12h02m43s
